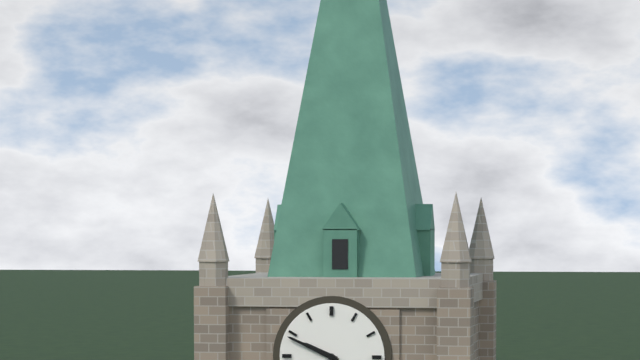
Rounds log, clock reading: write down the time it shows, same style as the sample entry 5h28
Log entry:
9h49
